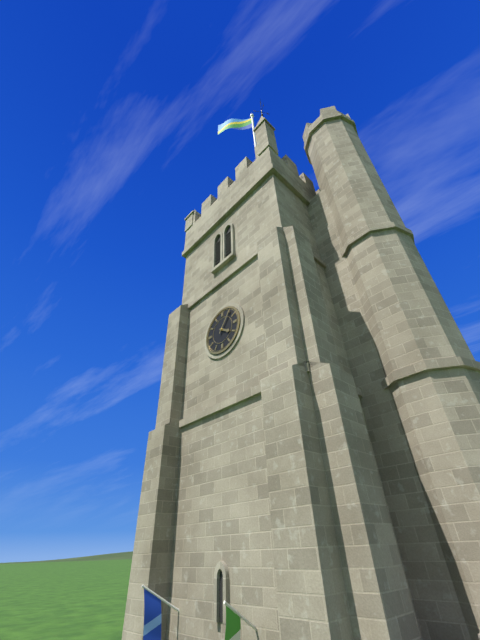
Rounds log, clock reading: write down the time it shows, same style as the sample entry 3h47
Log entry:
4h06
